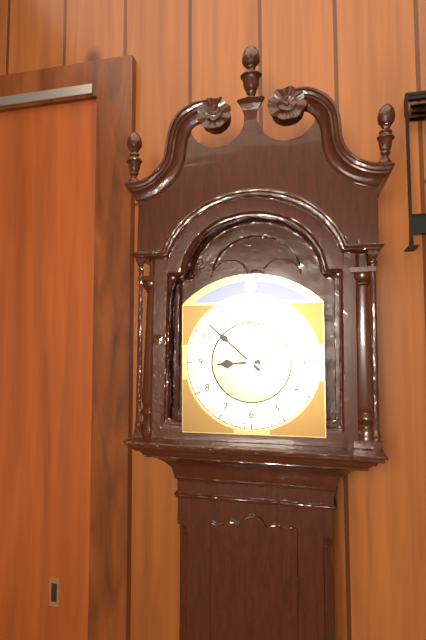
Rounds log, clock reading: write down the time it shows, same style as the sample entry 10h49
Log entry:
8h52
